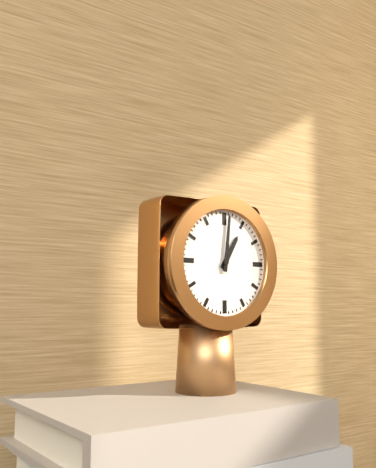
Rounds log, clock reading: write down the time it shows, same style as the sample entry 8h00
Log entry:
1h01
